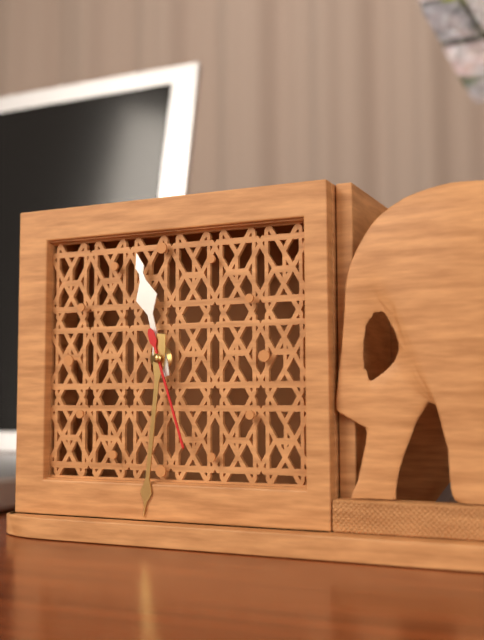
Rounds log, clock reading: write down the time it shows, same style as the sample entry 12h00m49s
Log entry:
11h31m27s
